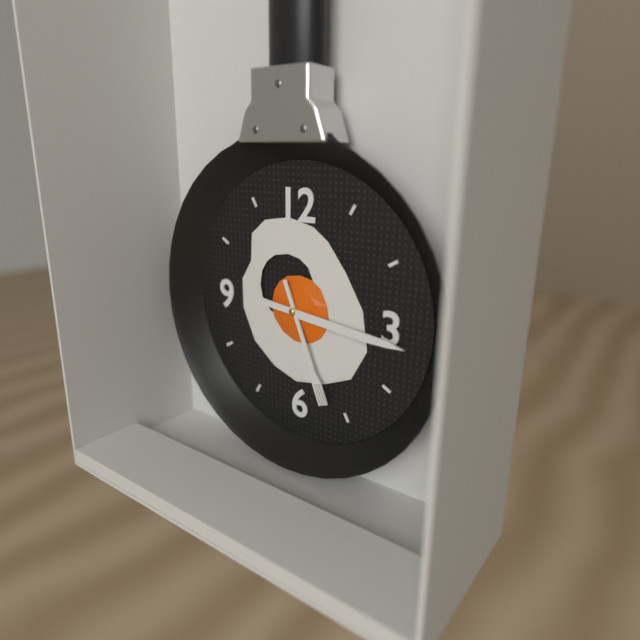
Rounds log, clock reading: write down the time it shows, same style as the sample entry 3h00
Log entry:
5h16
